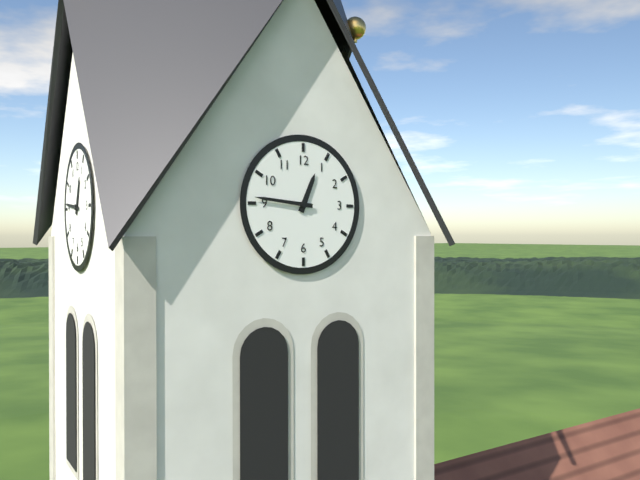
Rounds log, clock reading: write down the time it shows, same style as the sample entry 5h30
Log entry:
12h46
